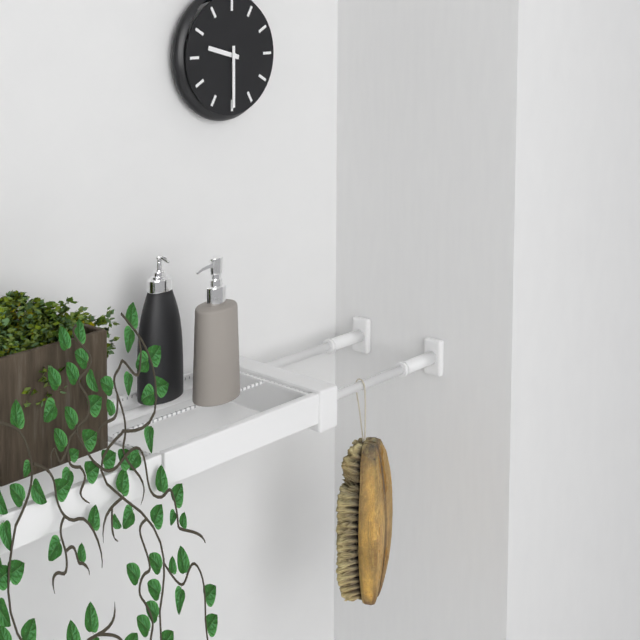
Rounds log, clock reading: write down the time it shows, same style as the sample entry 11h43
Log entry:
9h30
